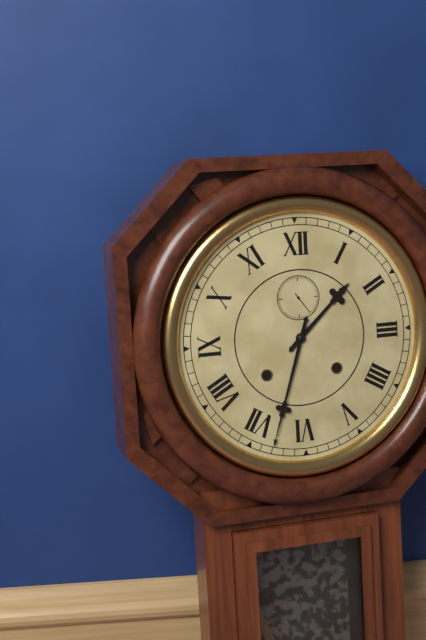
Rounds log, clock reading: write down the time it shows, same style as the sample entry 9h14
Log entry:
1h33
